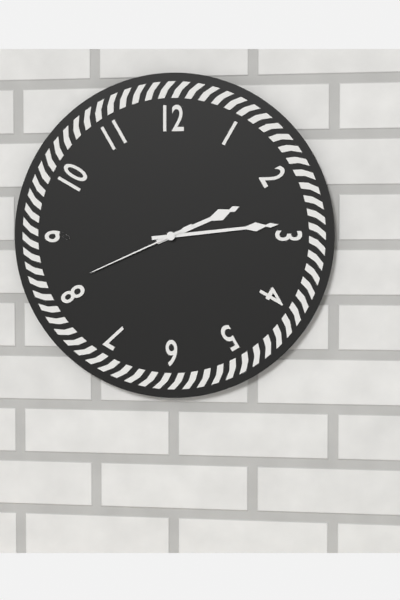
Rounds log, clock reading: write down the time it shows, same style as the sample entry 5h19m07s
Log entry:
2h14m41s
